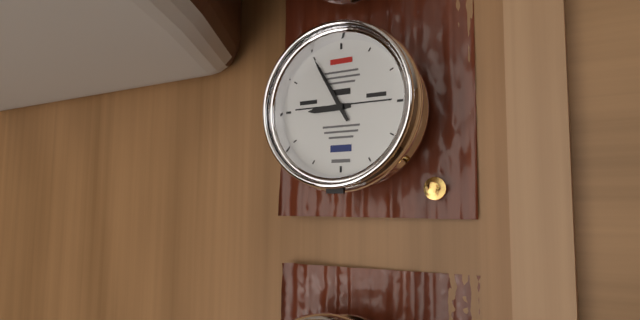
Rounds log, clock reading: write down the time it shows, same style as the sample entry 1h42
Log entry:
8h55
